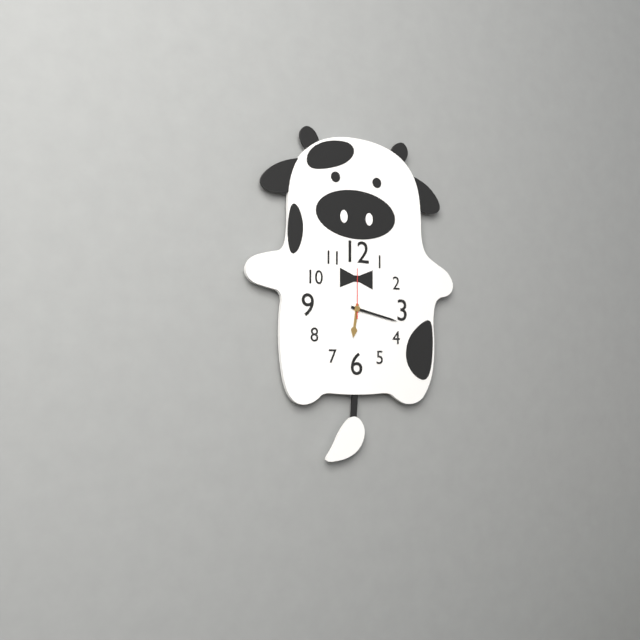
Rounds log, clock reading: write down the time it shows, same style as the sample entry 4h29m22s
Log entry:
6h17m00s
